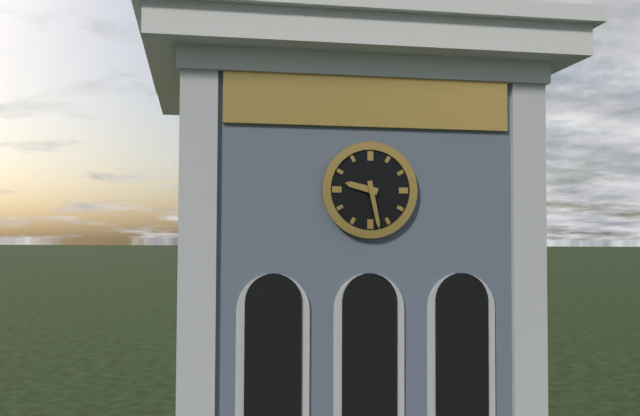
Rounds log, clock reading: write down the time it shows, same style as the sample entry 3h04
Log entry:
9h28
